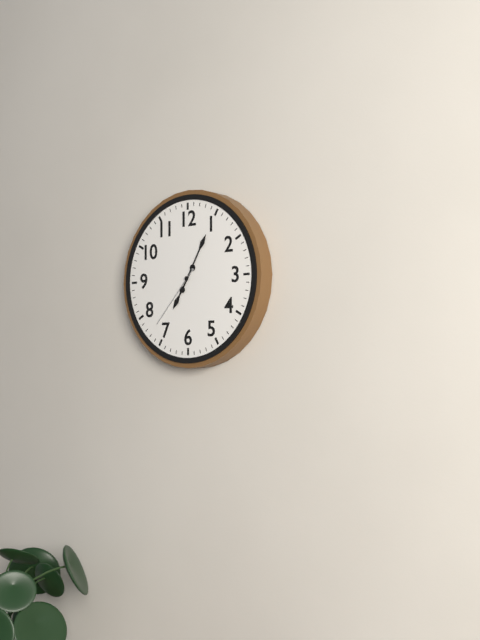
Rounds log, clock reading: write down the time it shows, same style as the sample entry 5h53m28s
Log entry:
7h05m37s
